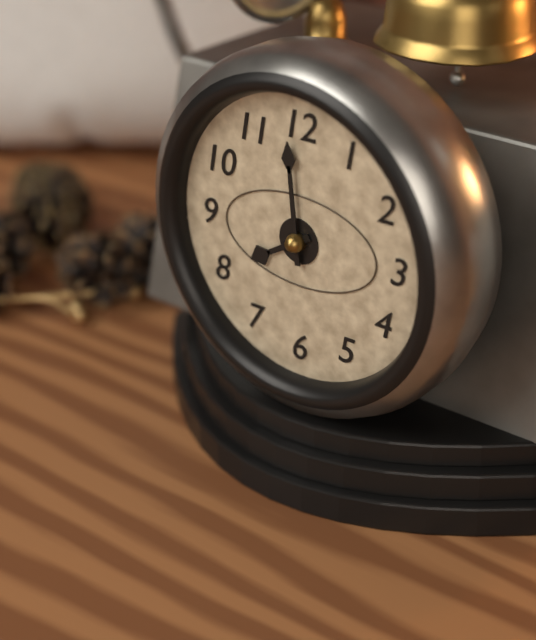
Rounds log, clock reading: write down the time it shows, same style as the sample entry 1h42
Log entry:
7h59
